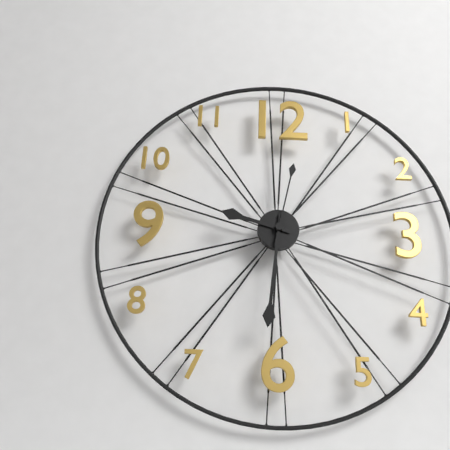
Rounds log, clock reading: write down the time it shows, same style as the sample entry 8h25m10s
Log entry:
9h31m02s
